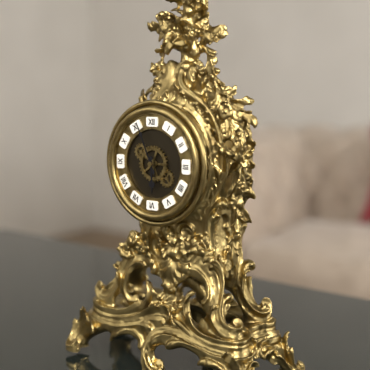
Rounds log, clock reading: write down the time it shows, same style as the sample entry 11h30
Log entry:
5h56
